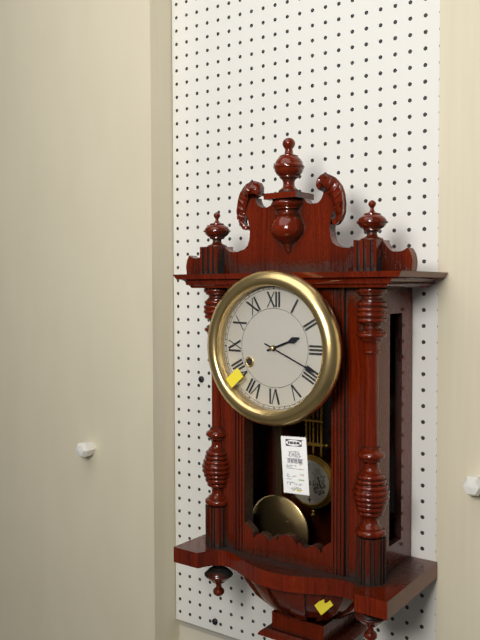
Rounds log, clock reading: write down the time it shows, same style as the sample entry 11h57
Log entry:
2h19
